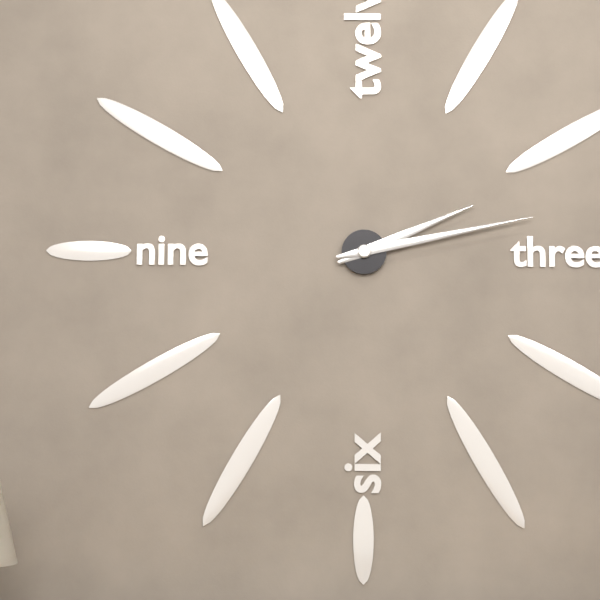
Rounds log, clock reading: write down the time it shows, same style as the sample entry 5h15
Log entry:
2h13
